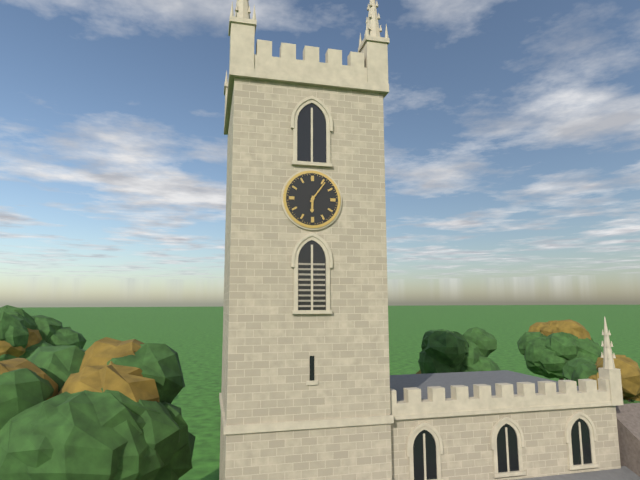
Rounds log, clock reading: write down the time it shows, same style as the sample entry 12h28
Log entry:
6h06
